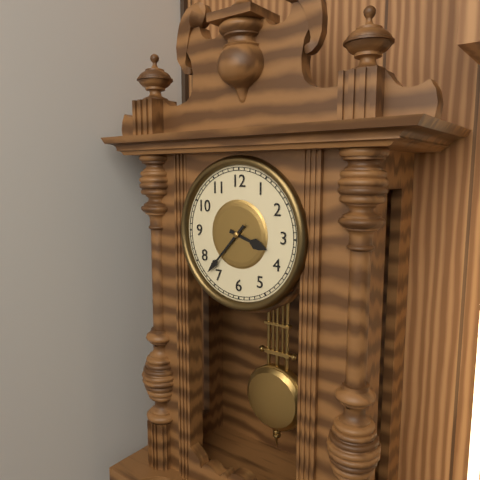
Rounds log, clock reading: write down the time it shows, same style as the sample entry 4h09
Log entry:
3h37
